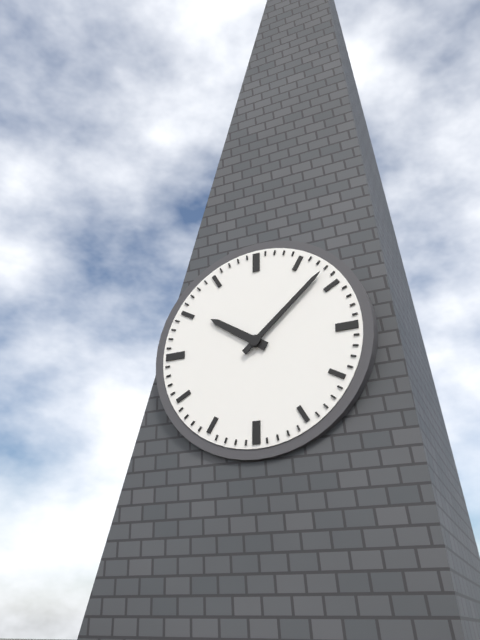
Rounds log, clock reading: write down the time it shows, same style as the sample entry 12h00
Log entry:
10h08
